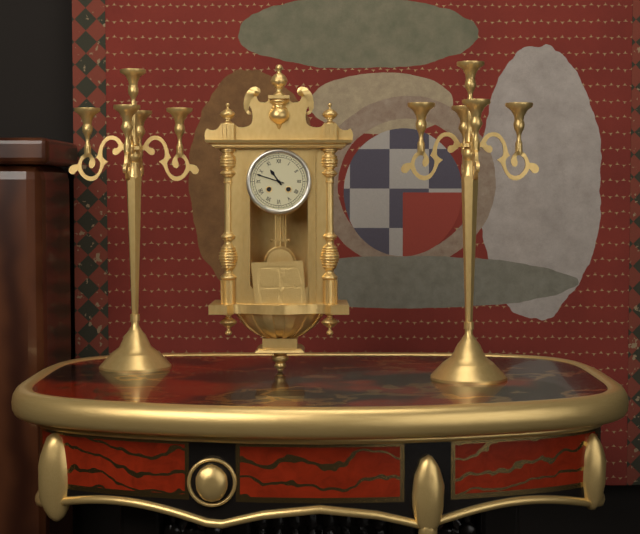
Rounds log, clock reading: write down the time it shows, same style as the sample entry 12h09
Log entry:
10h48
